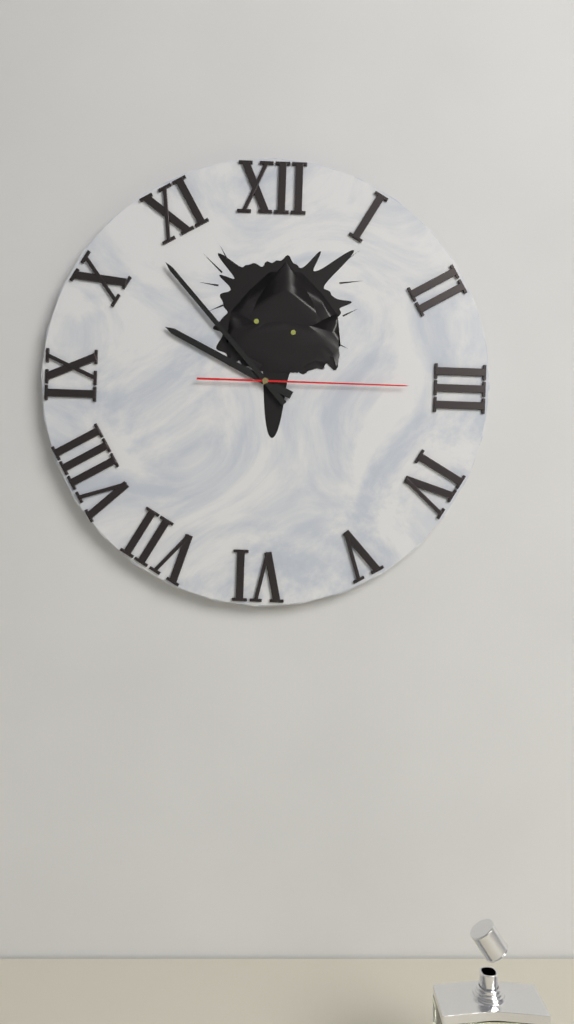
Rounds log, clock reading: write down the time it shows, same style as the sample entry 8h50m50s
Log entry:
9h53m15s
